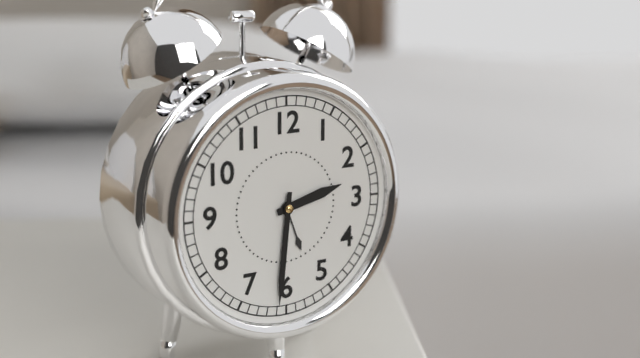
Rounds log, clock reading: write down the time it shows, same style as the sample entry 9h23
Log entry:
2h31
